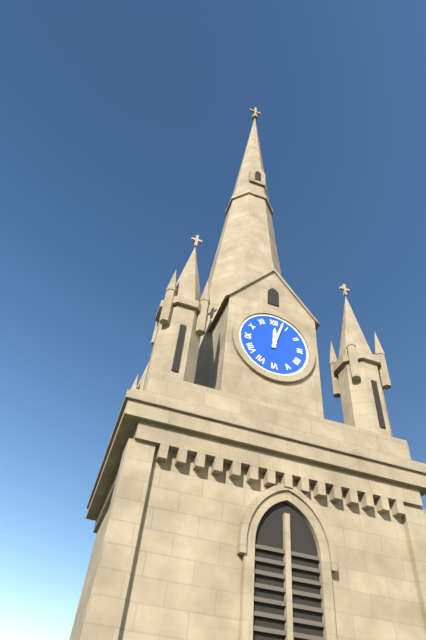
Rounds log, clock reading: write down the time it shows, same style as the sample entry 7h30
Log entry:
12h03
